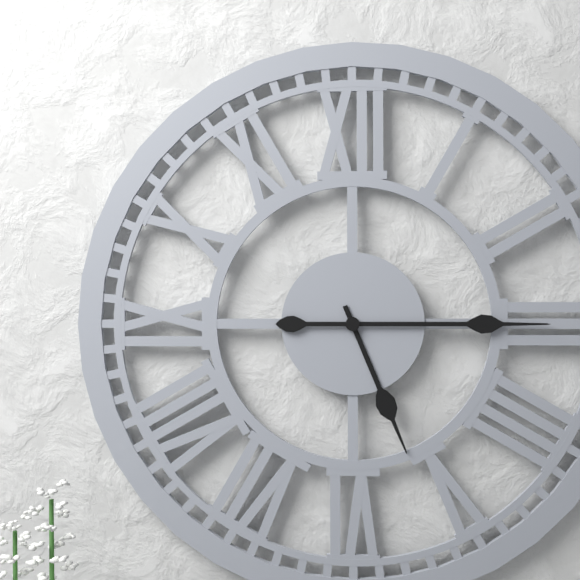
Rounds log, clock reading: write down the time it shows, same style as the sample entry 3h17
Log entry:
5h15
